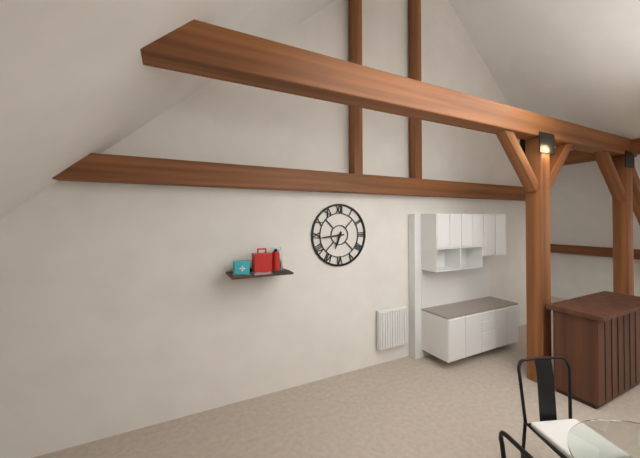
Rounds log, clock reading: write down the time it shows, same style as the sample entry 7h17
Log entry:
6h44
